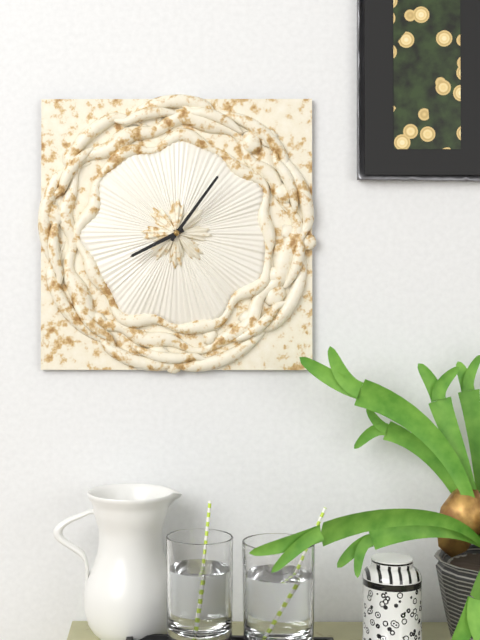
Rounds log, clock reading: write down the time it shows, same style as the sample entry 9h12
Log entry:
8h06
